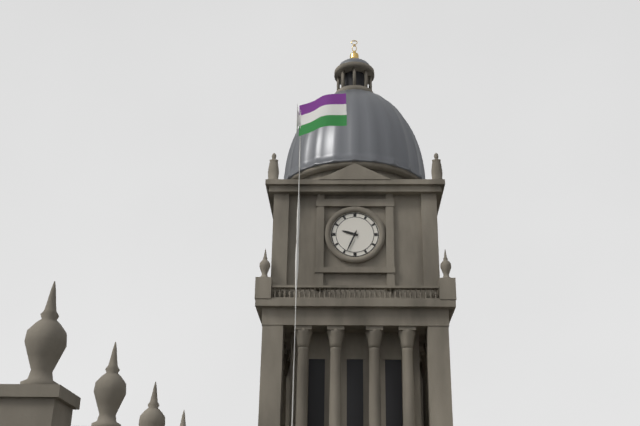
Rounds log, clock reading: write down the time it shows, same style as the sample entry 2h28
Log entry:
9h34
